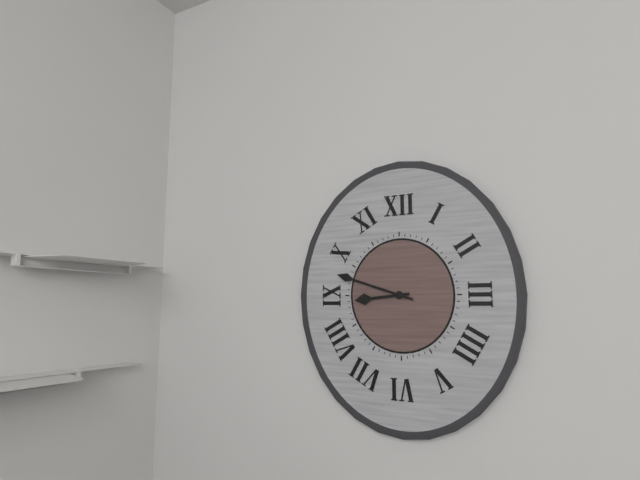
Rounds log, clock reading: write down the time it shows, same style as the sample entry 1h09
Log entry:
8h48
